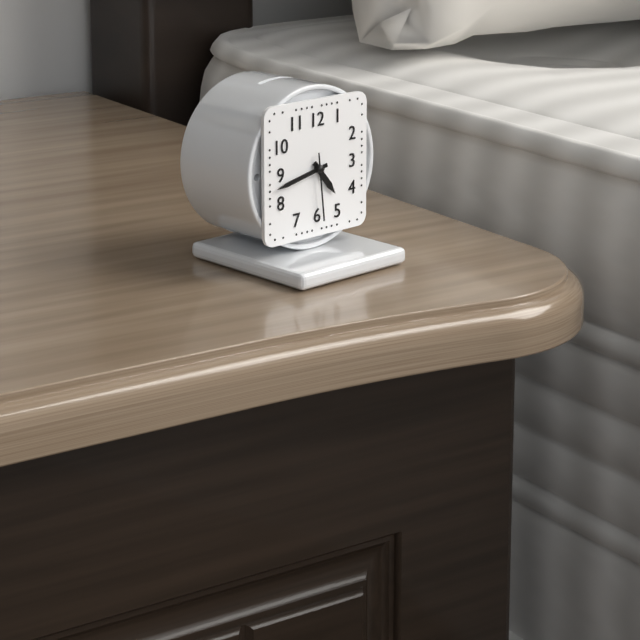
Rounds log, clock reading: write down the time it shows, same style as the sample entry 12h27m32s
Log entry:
4h43m29s
